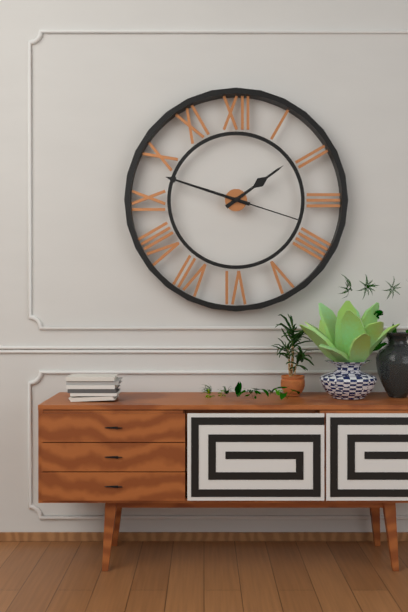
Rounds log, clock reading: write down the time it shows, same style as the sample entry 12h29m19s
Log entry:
1h48m18s
